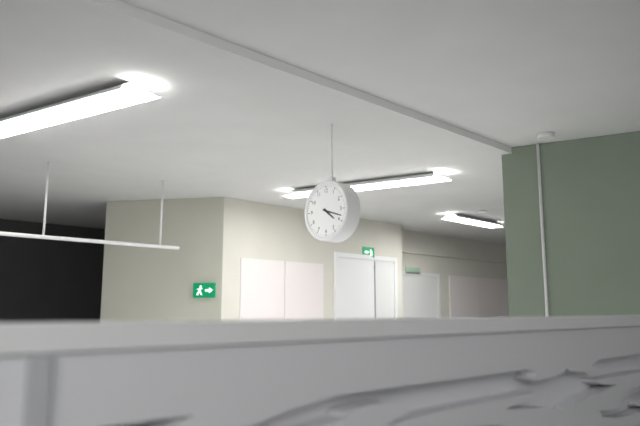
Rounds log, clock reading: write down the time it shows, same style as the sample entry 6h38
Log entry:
4h18
